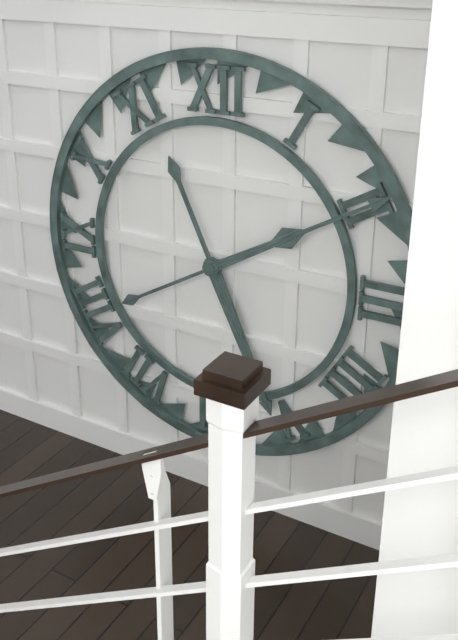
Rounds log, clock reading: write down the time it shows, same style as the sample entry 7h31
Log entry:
5h10
